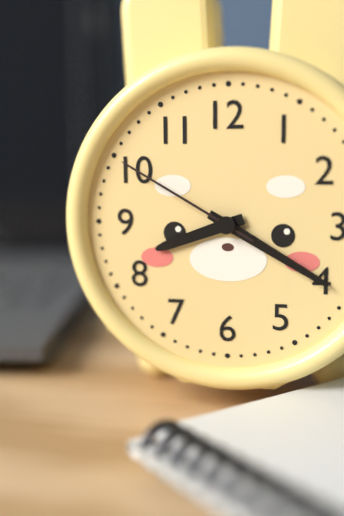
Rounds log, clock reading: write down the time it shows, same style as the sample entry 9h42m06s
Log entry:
8h20m50s
